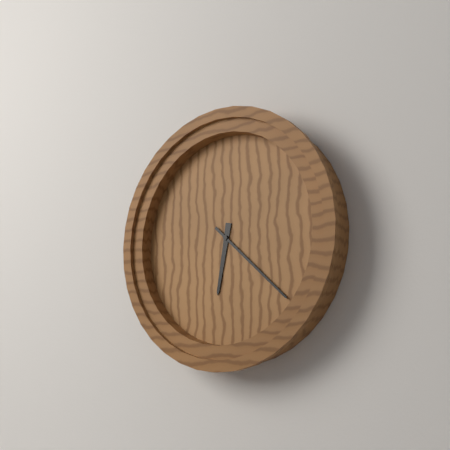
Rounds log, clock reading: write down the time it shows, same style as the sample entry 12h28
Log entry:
6h22
